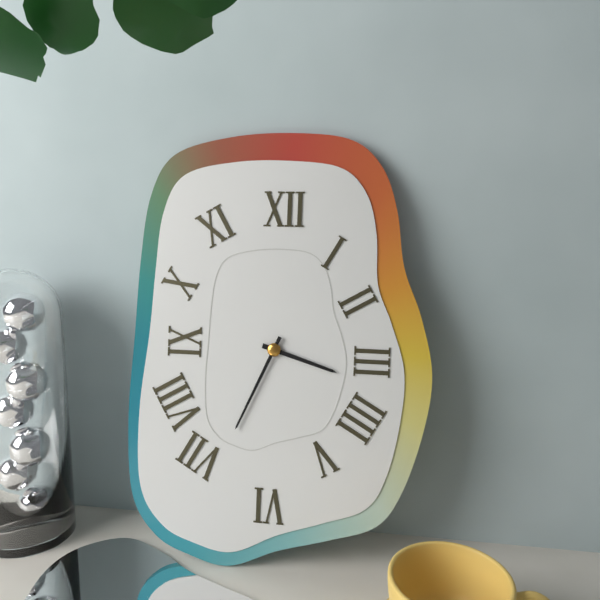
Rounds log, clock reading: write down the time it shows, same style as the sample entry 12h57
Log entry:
3h34
